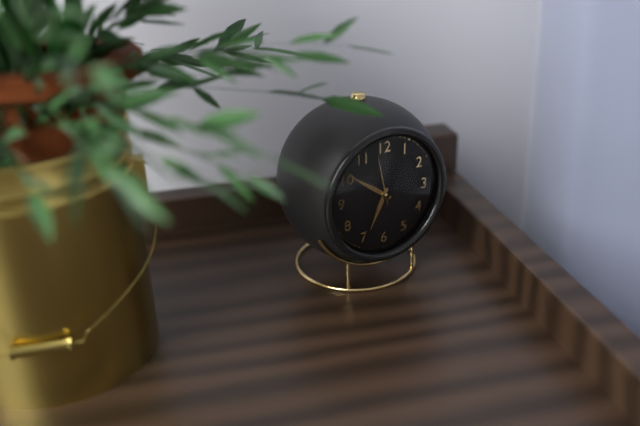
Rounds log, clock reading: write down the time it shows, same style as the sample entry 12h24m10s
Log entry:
6h51m58s
